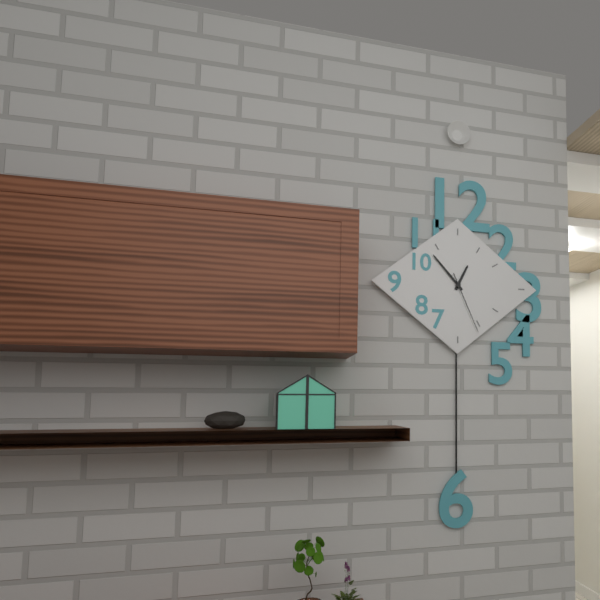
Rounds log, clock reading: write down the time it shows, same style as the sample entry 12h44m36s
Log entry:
12h53m26s
